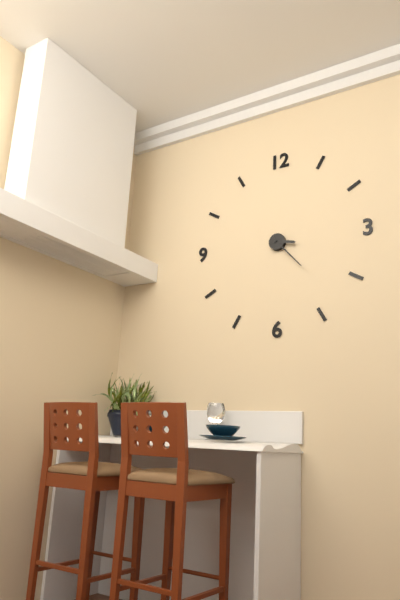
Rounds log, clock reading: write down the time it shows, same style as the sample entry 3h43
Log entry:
3h23
